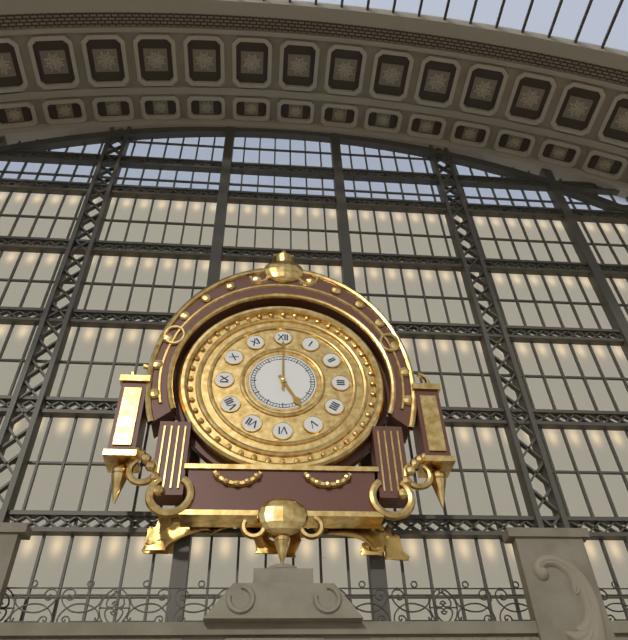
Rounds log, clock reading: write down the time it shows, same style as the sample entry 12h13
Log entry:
5h00
